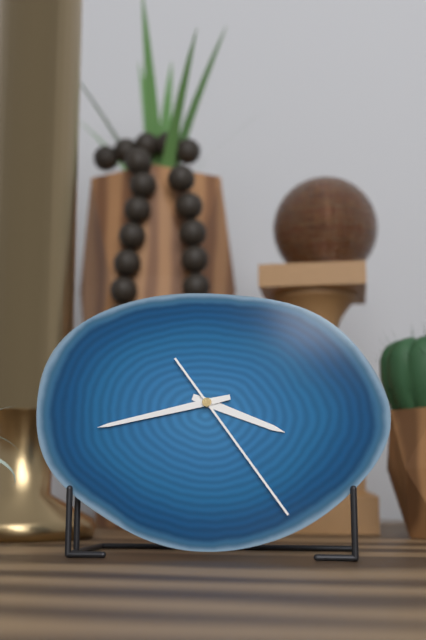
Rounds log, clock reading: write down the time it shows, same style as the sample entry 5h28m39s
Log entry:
3h43m24s
